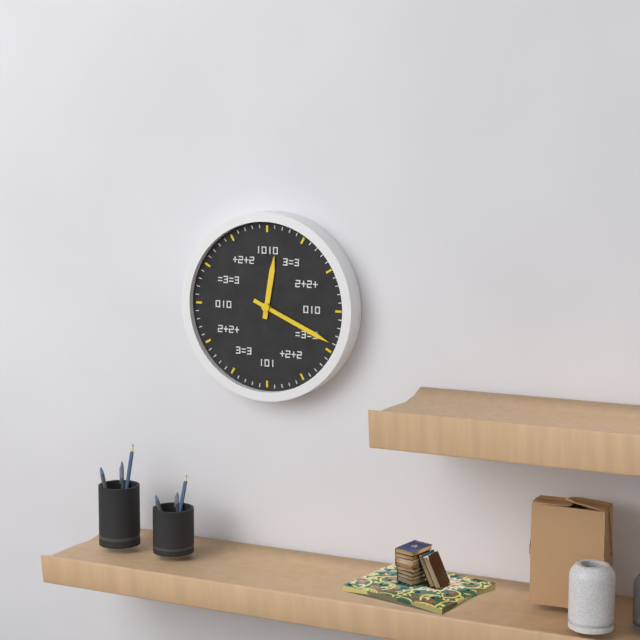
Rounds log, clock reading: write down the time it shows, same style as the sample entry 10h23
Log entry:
12h19
